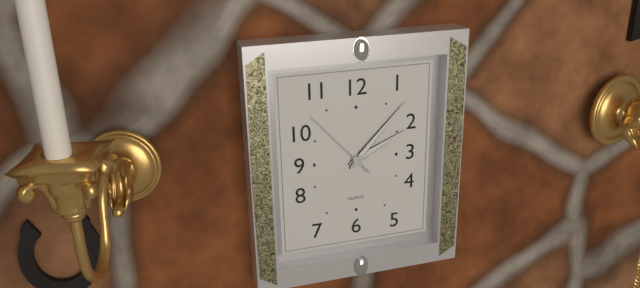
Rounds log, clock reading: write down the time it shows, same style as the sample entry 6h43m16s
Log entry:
2h07m53s
